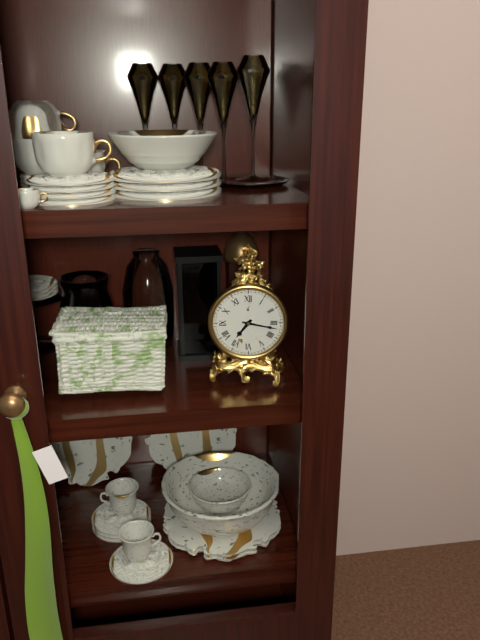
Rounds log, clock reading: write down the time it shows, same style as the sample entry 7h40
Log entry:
7h17
